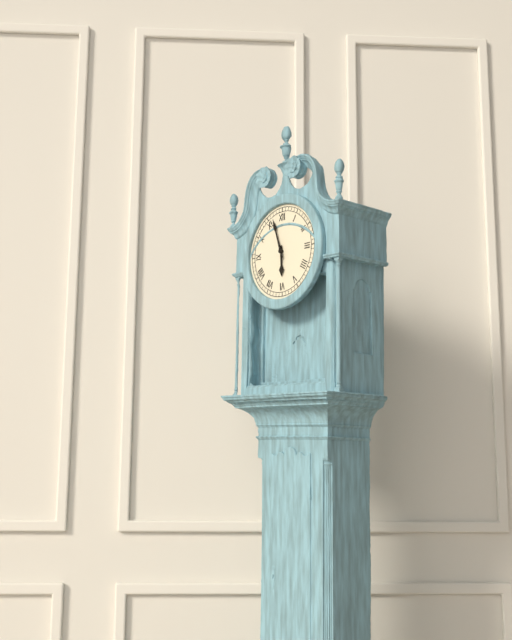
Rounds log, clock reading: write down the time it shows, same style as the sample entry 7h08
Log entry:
5h57
